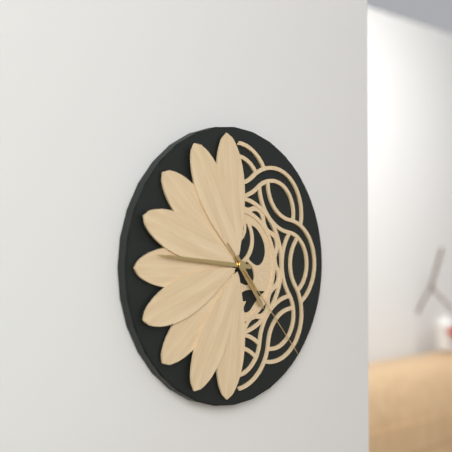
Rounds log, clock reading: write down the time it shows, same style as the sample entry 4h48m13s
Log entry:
4h46m23s
